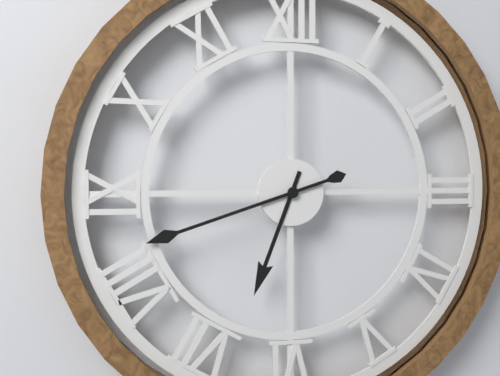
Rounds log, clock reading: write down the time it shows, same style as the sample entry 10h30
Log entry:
6h42
